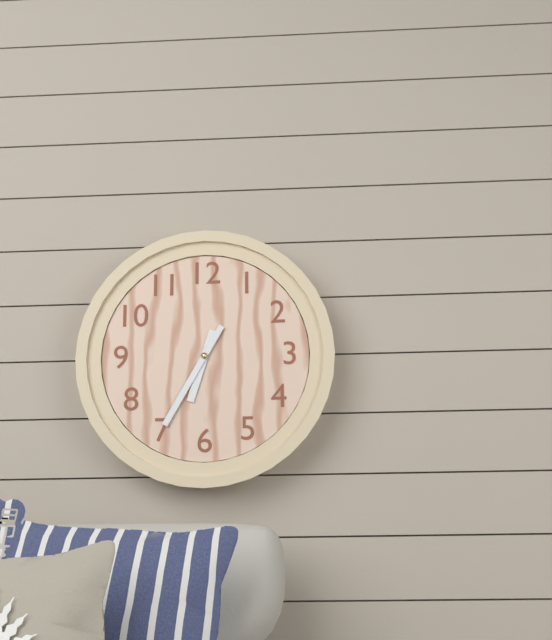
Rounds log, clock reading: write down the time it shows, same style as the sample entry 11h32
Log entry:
6h35
